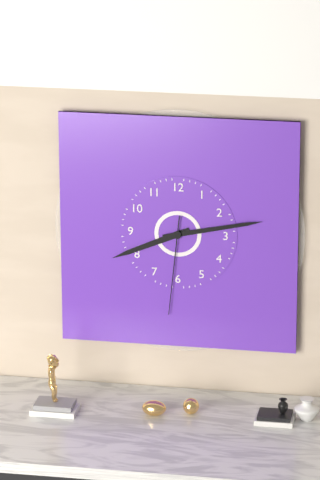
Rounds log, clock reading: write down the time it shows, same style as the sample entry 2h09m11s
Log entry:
8h13m31s
